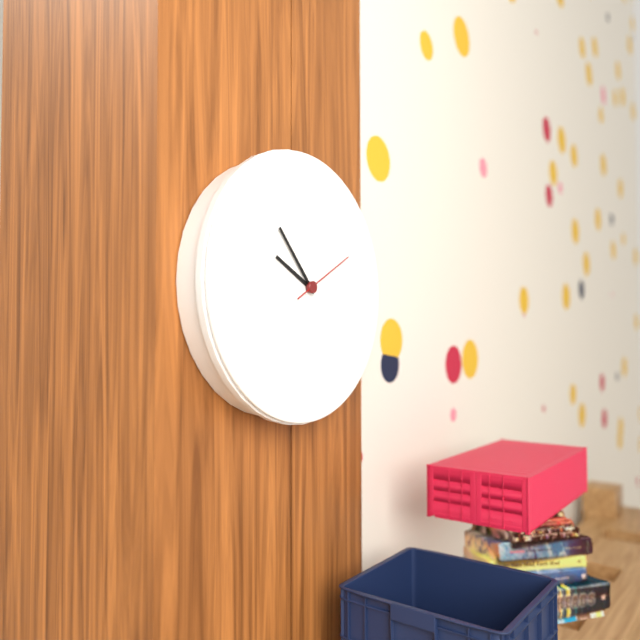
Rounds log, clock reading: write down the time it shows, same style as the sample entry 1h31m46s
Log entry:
9h53m10s
